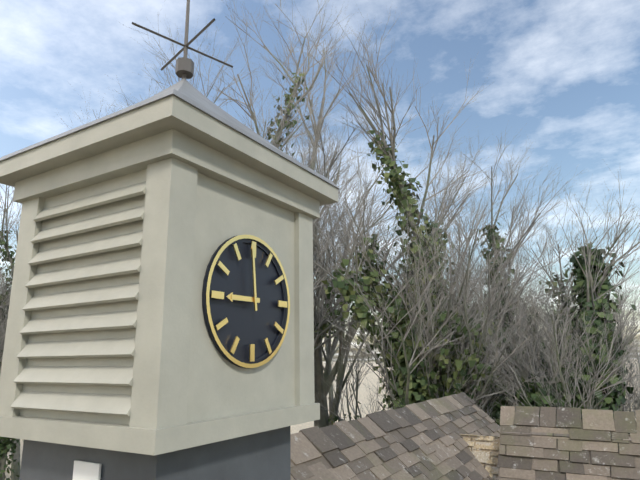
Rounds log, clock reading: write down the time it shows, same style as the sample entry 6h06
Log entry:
8h59
